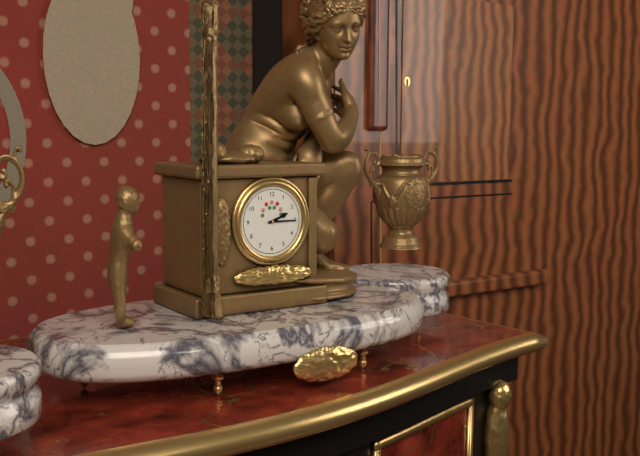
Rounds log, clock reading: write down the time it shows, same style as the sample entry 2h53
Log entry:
2h15
